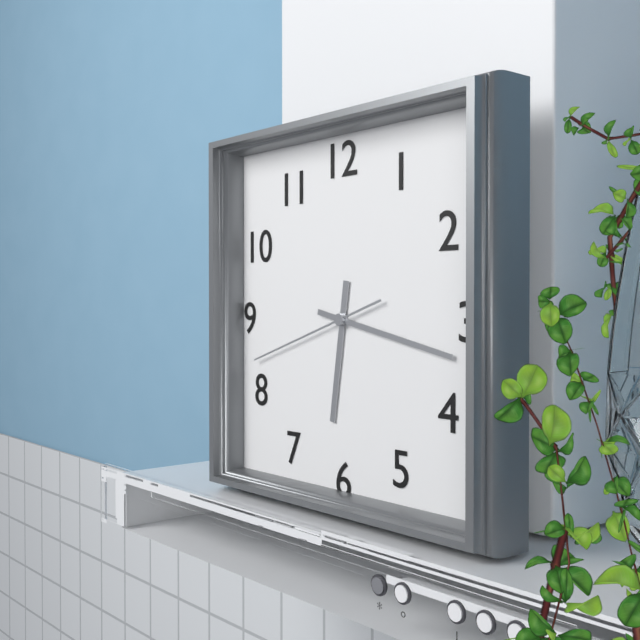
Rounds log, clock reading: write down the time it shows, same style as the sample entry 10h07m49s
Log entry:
6h17m42s
